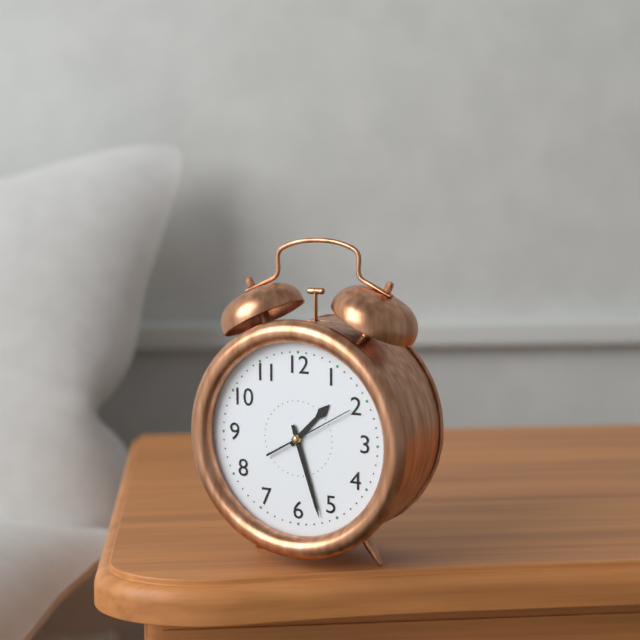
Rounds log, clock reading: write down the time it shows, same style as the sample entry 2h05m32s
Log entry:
1h27m10s
